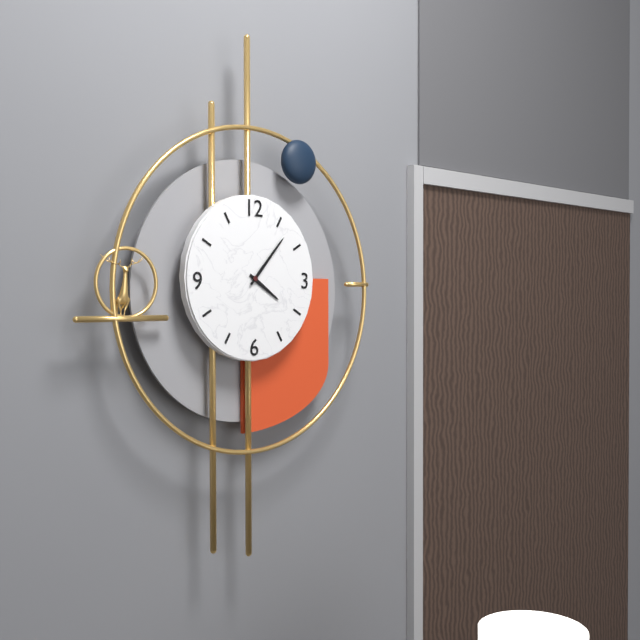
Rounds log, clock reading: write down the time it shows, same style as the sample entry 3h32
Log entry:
4h07
